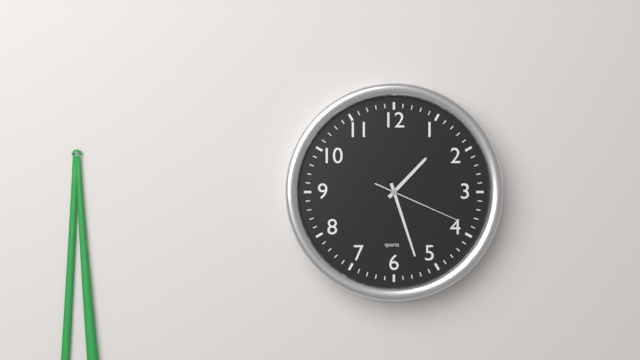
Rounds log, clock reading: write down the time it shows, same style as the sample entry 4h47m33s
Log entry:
1h27m19s
